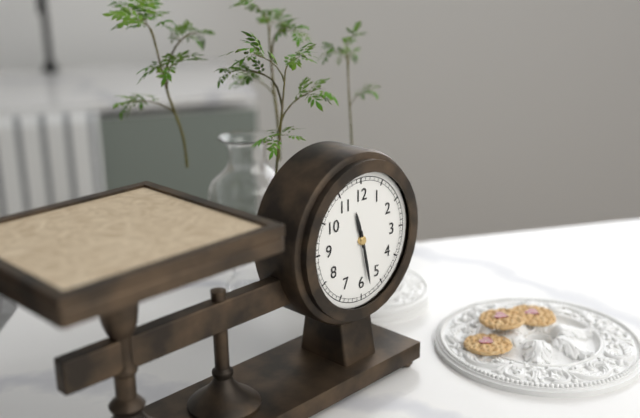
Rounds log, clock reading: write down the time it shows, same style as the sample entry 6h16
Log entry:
11h28
